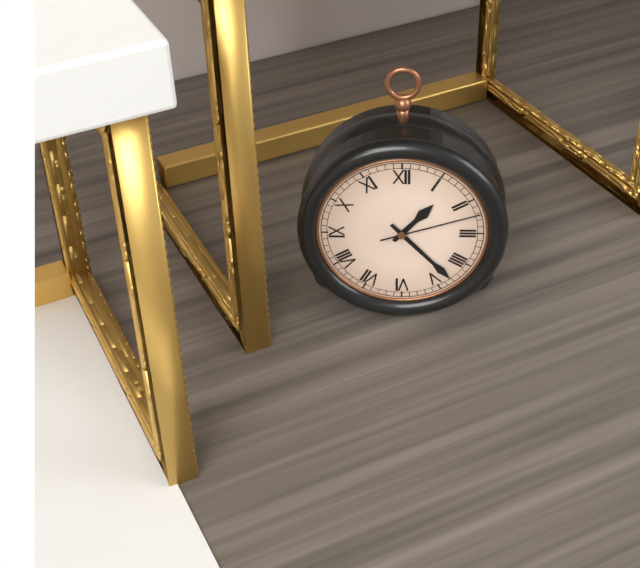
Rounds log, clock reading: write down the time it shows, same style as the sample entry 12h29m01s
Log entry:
1h23m12s
